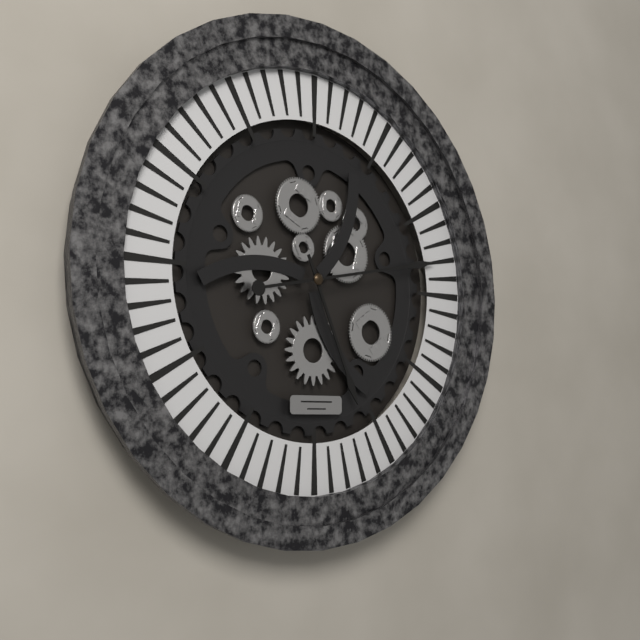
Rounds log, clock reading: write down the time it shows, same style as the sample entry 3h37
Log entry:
5h13
